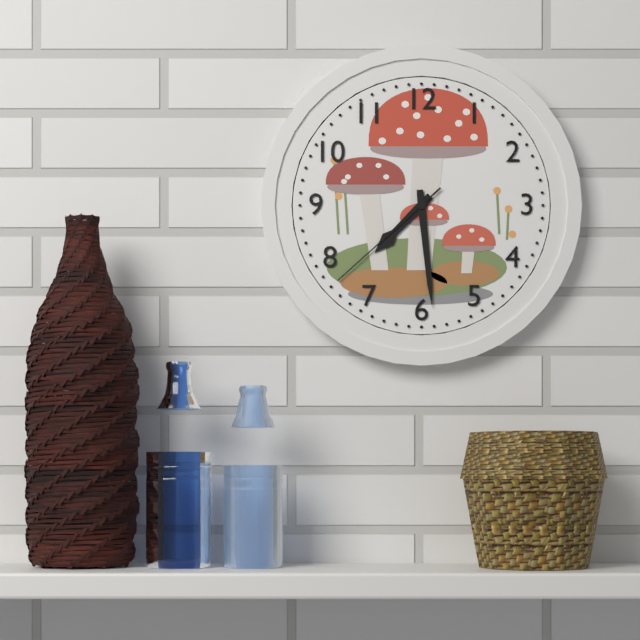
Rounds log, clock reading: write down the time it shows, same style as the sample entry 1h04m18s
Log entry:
7h29m38s
